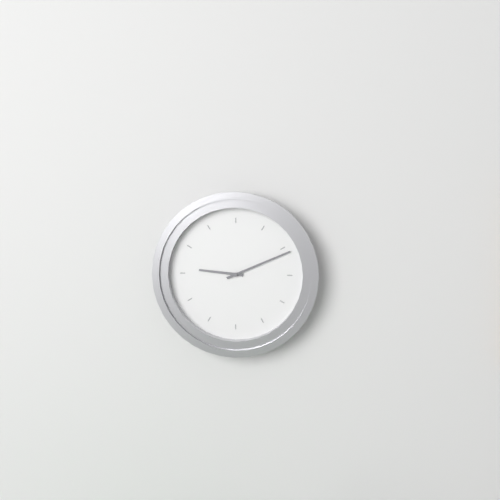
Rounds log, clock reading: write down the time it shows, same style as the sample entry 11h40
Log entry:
9h11
